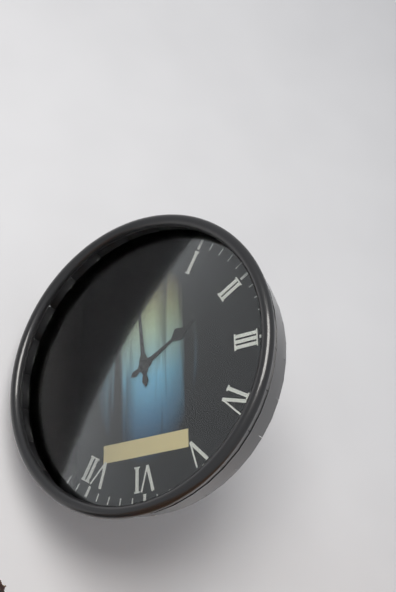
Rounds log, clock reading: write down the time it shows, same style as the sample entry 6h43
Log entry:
1h59
